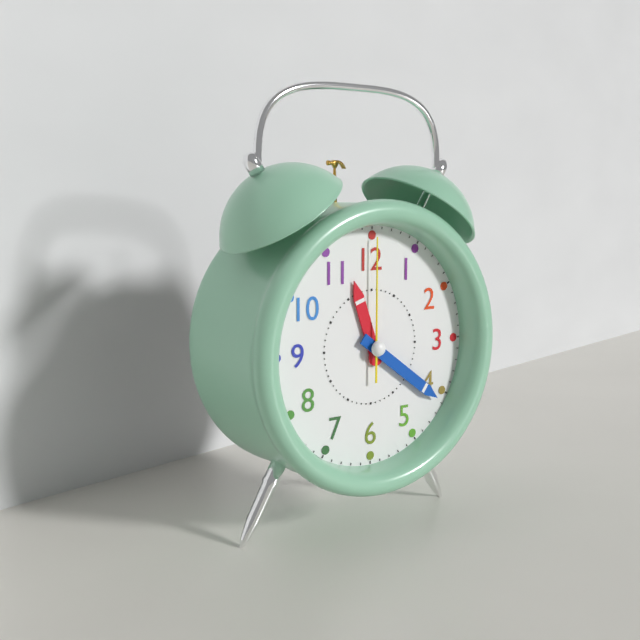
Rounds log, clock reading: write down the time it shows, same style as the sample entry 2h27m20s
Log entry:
11h21m00s
